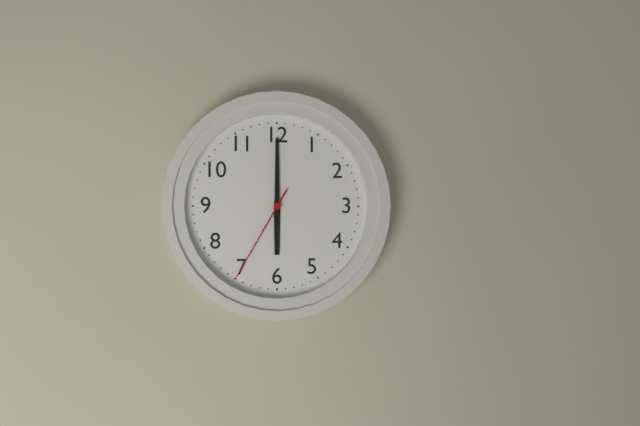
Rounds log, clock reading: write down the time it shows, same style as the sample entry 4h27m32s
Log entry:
6h00m35s
